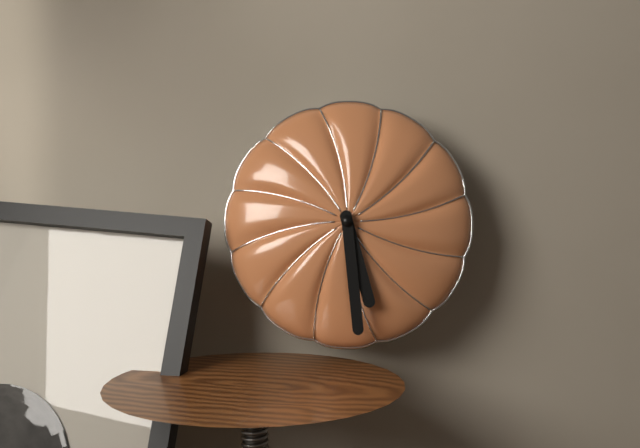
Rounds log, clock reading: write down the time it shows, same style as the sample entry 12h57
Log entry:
5h29
